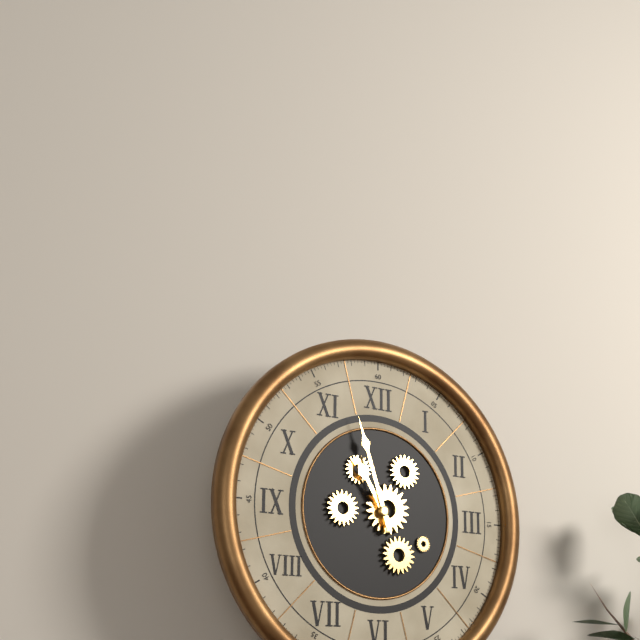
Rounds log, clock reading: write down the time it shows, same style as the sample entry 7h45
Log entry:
10h57
